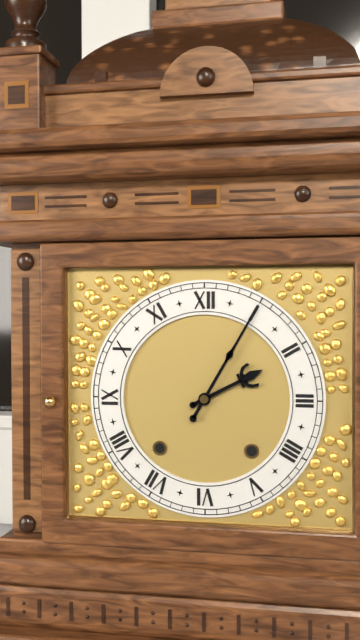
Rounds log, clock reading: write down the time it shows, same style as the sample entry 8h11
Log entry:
2h05
